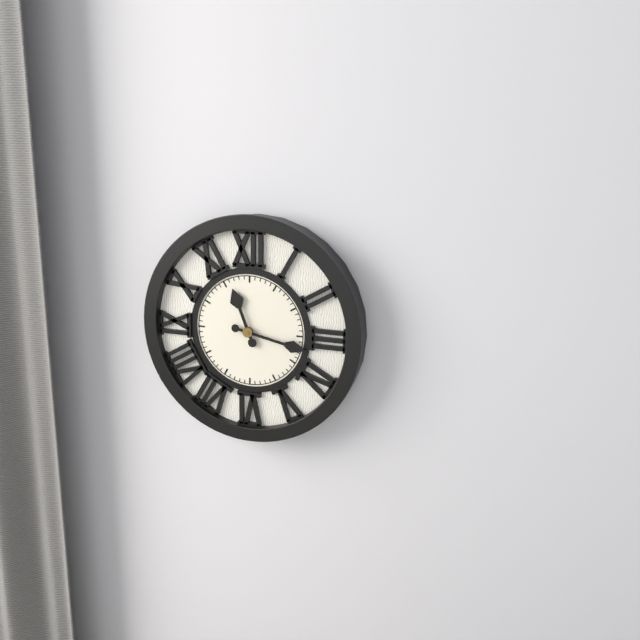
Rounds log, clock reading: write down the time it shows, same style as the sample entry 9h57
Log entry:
11h17
